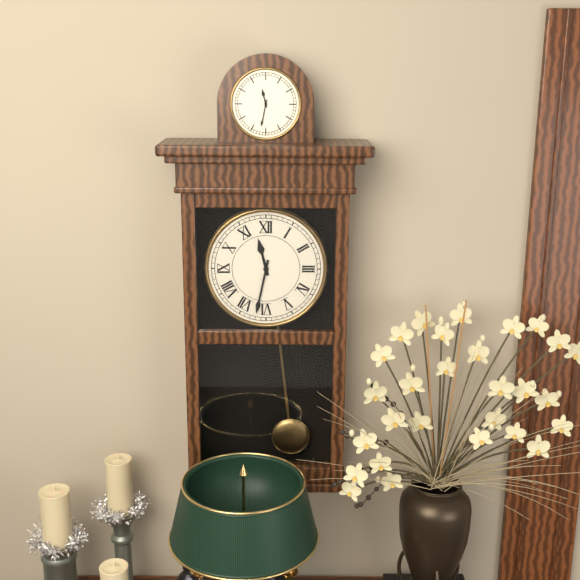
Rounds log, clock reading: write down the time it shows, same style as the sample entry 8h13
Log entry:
11h32
